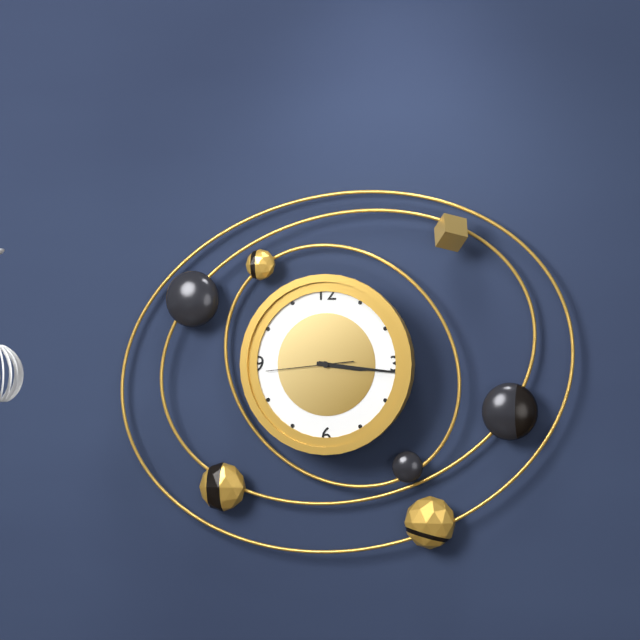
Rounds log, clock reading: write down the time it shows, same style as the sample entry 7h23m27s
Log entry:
3h16m44s
